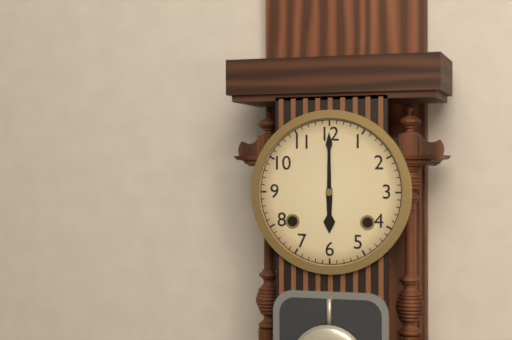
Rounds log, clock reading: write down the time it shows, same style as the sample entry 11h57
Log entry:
6h00
